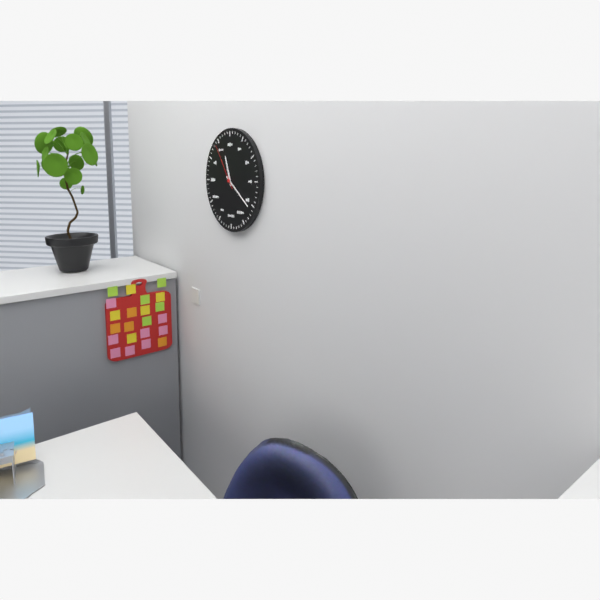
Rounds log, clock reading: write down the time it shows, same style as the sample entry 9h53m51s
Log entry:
11h21m54s
